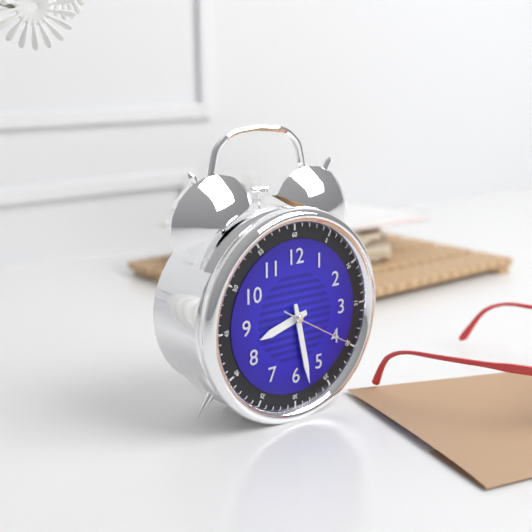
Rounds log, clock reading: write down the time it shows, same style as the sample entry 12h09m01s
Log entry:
8h28m20s
